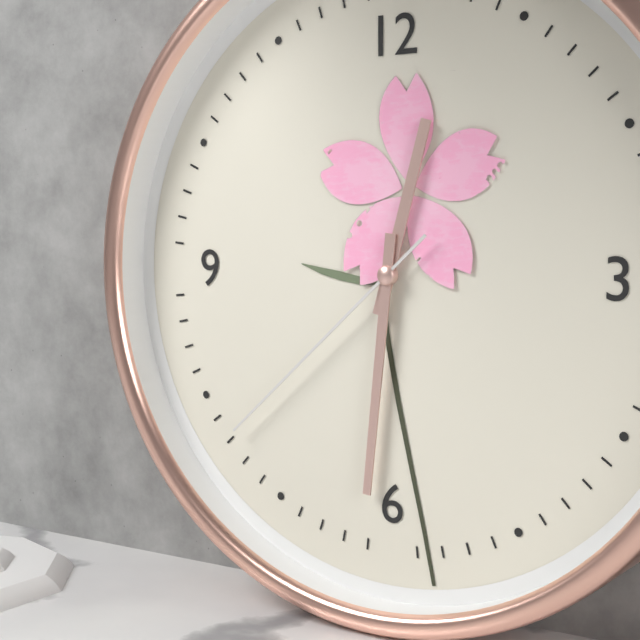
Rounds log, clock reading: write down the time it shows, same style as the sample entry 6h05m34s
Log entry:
12h31m38s
